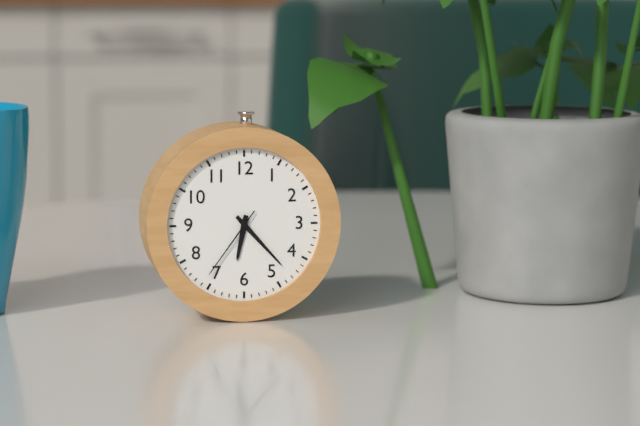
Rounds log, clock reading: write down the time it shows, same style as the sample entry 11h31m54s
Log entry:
6h23m36s
